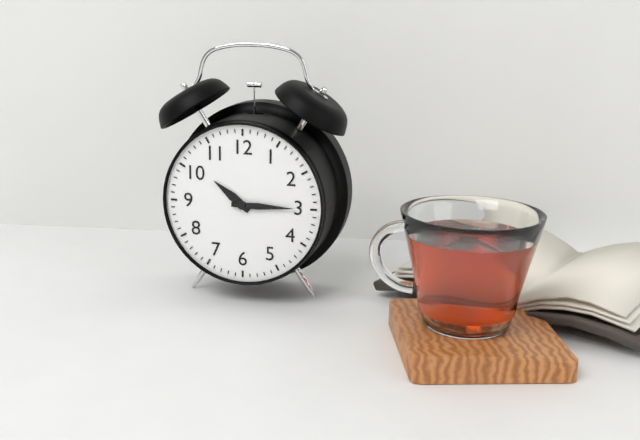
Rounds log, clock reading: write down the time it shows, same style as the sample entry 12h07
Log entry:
10h15
